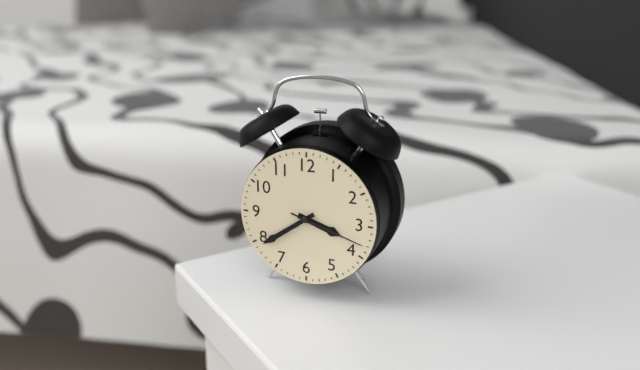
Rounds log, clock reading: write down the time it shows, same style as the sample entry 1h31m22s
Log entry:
3h39m18s
